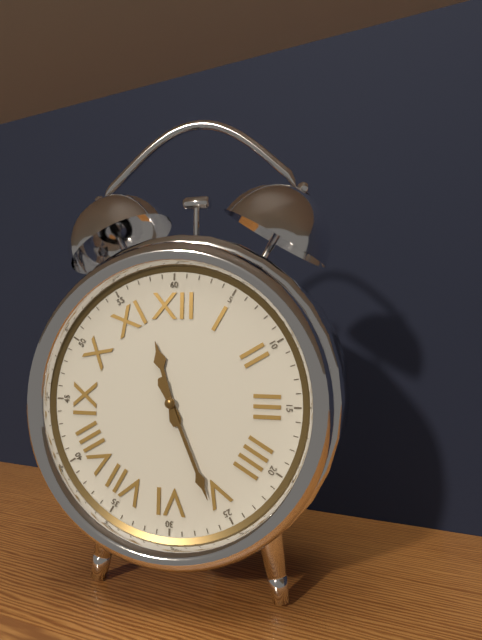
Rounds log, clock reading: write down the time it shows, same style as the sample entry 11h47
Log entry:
11h26
